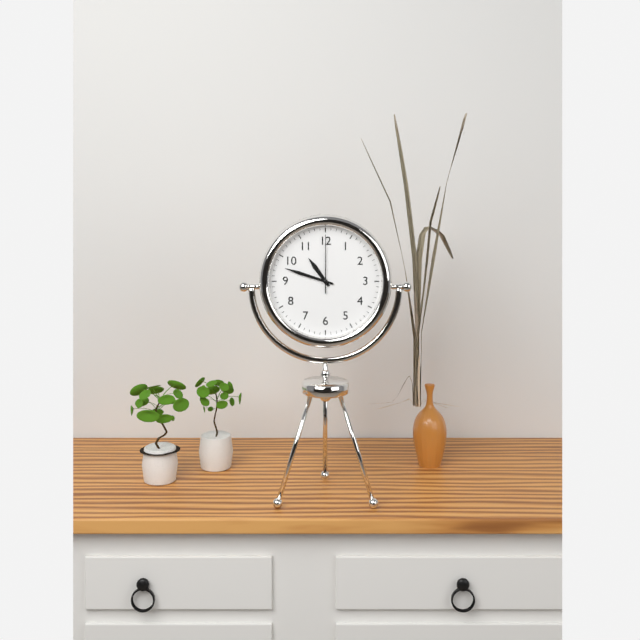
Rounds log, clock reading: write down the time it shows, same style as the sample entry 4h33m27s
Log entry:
10h48m00s
